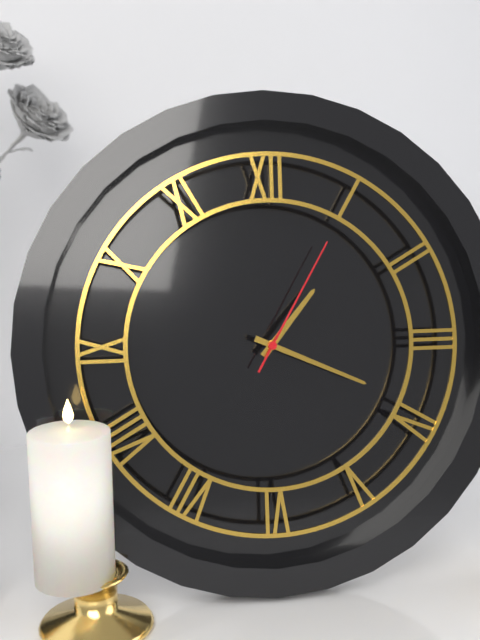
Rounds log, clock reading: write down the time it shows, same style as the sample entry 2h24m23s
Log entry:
1h19m05s
